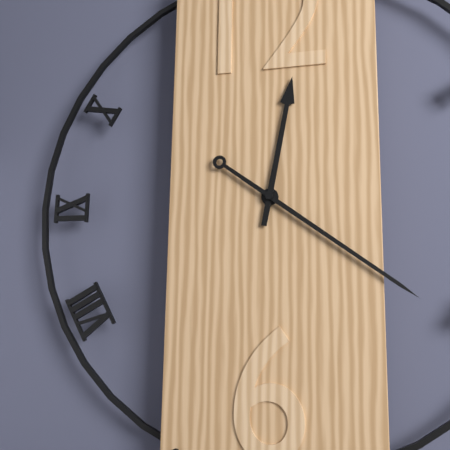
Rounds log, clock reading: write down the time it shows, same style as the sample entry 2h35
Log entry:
12h21
